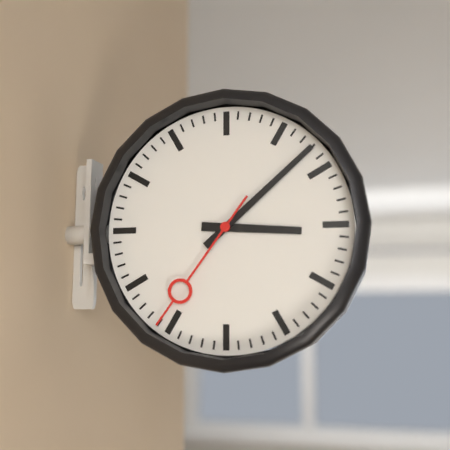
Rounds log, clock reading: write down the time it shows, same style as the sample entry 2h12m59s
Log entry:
3h08m36s
